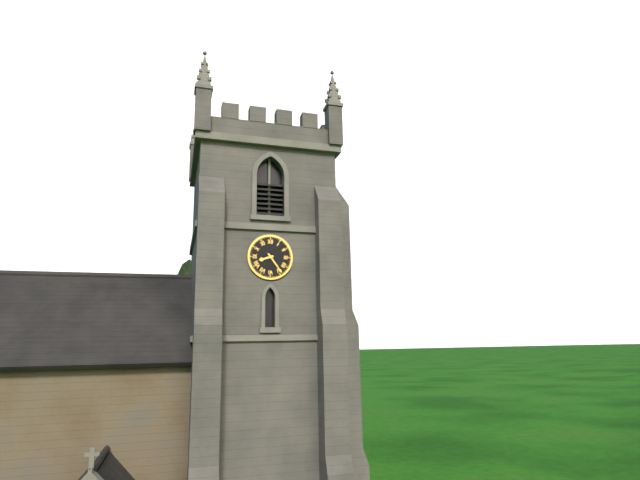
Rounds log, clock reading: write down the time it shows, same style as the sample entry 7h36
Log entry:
8h24
